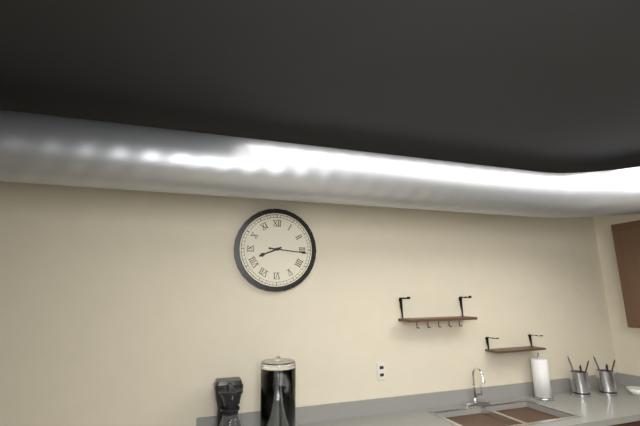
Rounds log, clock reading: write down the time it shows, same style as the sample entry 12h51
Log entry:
8h16
